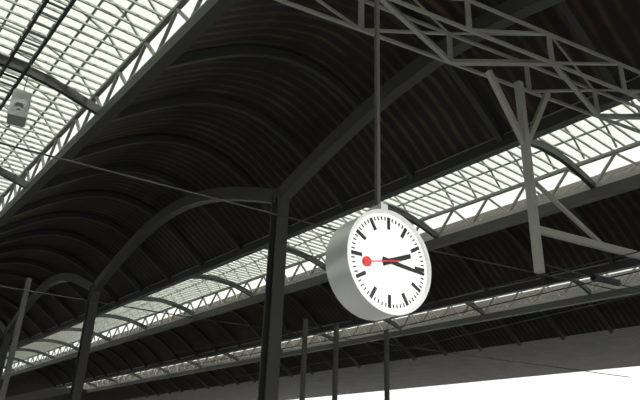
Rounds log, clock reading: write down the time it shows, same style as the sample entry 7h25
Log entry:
2h16
